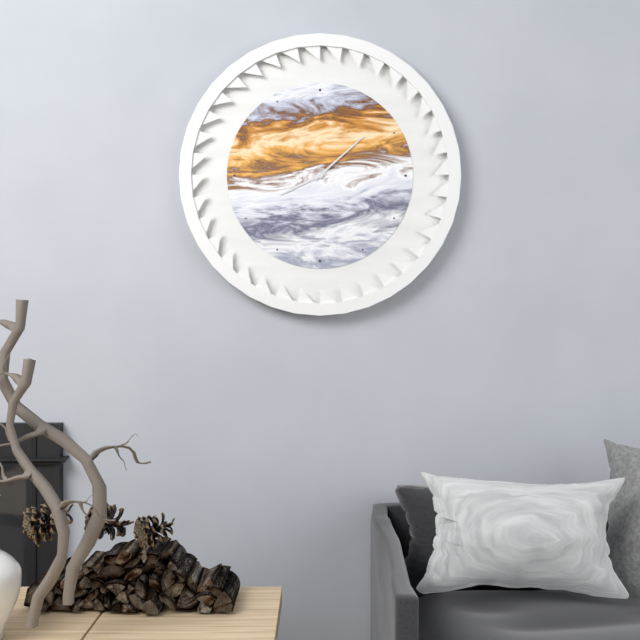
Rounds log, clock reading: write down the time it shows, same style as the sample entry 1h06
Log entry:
8h08
